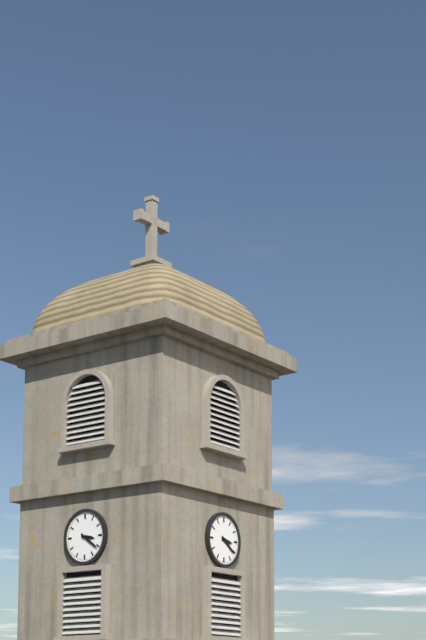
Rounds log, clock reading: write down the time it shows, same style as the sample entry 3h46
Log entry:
3h21
